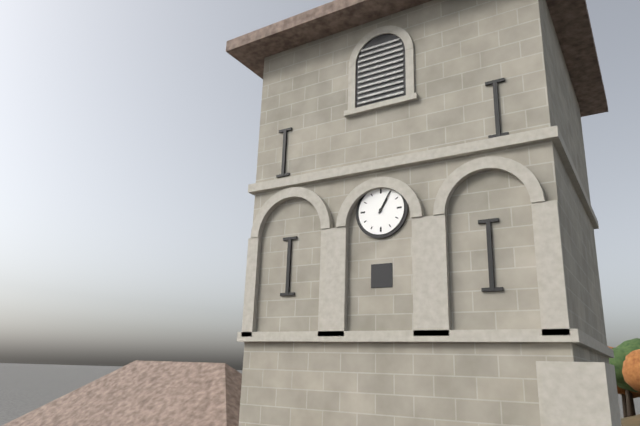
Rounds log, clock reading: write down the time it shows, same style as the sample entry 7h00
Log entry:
1h05
